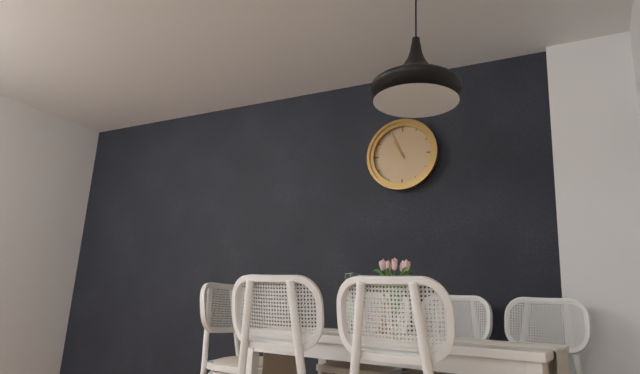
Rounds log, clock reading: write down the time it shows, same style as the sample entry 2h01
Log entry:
10h56
